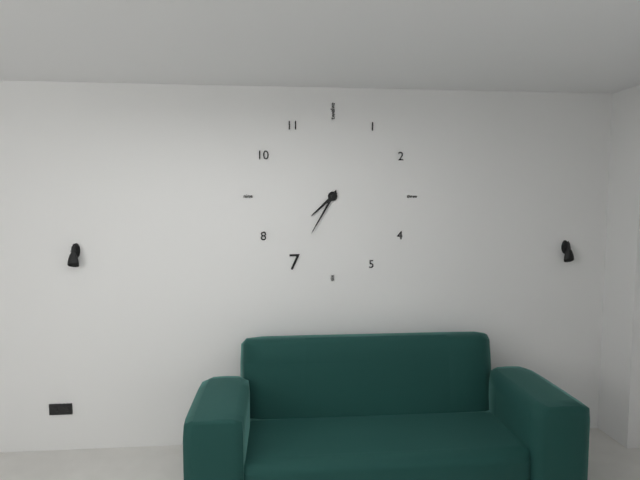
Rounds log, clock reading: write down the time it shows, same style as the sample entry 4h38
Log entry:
7h35
